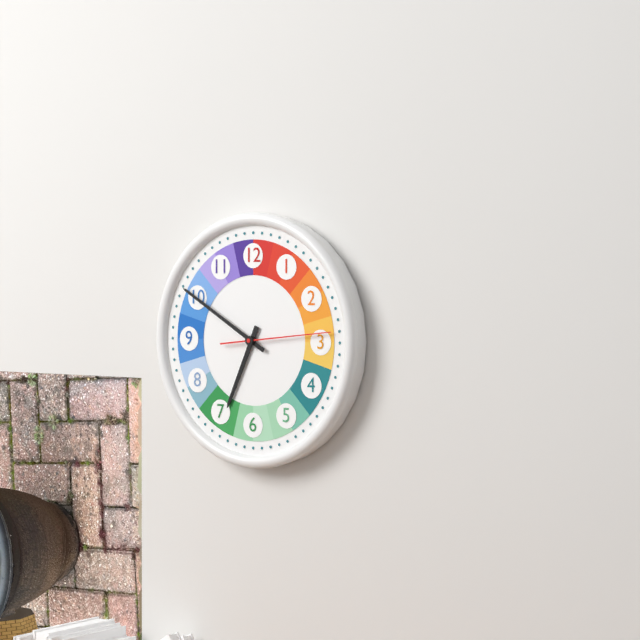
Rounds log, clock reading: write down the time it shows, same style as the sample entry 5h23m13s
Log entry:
6h50m14s
